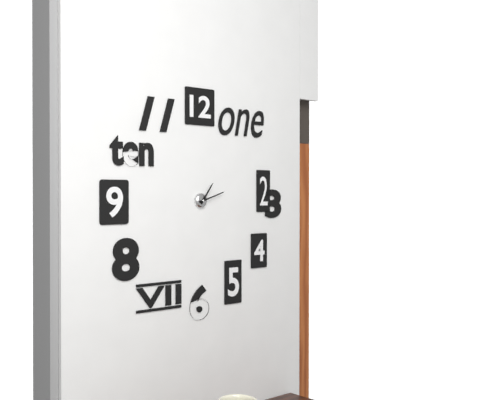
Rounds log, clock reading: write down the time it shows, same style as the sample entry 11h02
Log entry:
1h12
